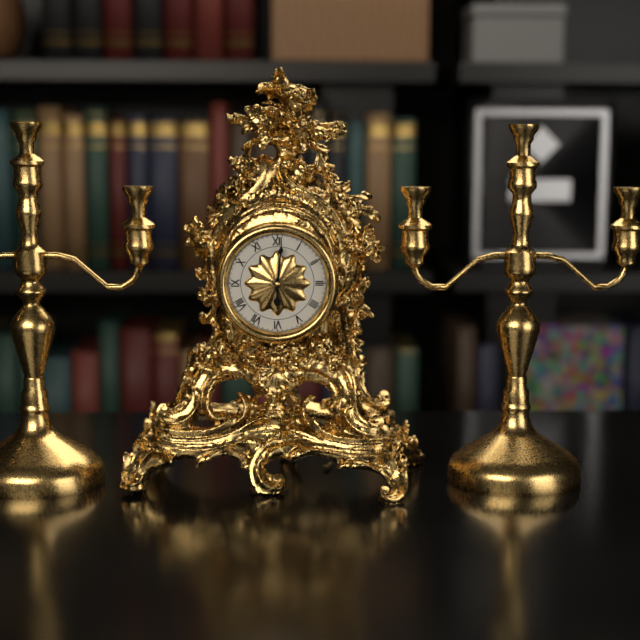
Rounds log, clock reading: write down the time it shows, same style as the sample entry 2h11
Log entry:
6h01
